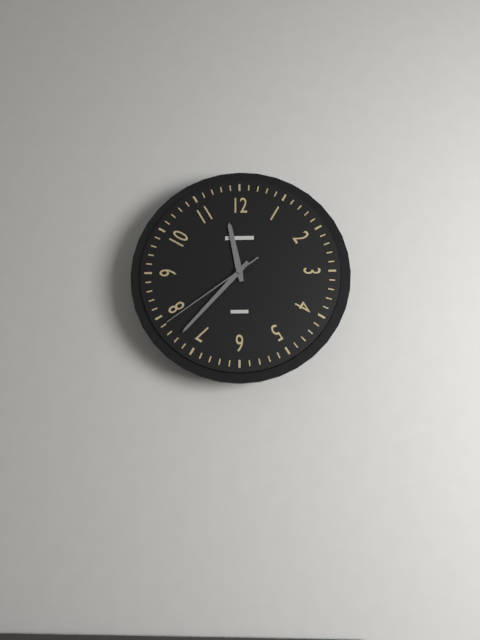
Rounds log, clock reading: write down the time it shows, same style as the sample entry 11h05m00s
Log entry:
11h37m39s
